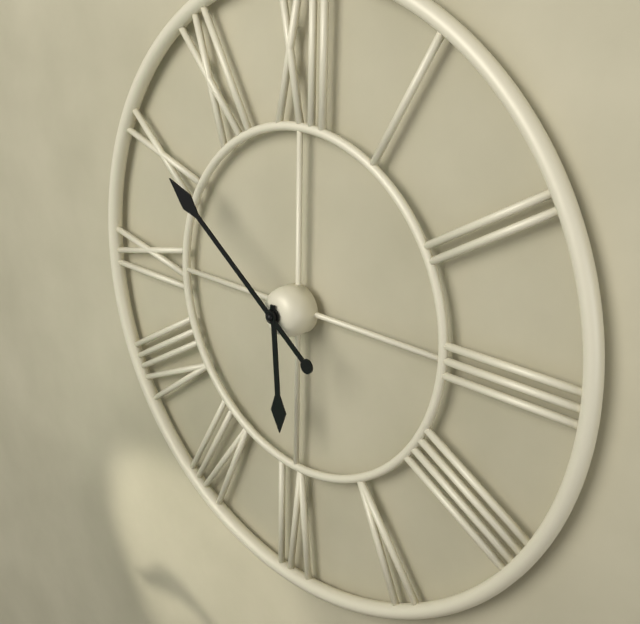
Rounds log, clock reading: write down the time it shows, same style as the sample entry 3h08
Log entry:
5h51
